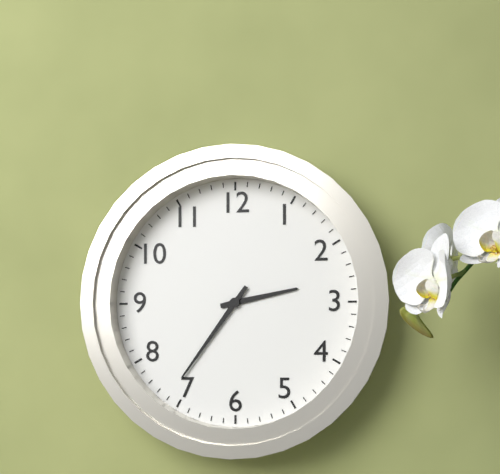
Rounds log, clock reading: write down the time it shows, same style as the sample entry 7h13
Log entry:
2h36
